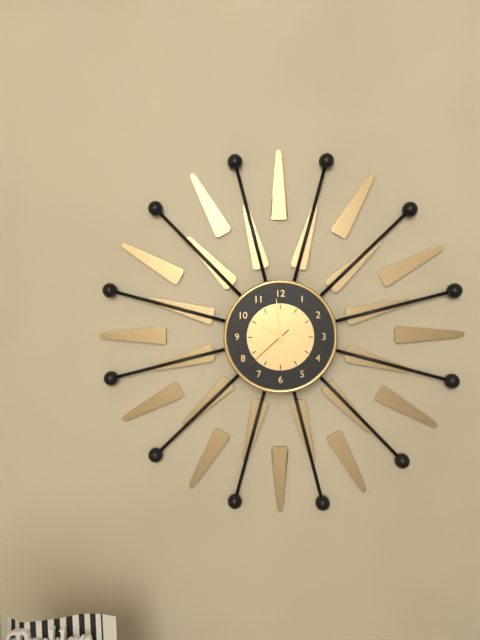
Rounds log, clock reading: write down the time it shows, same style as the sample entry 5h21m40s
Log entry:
9h59m38s
